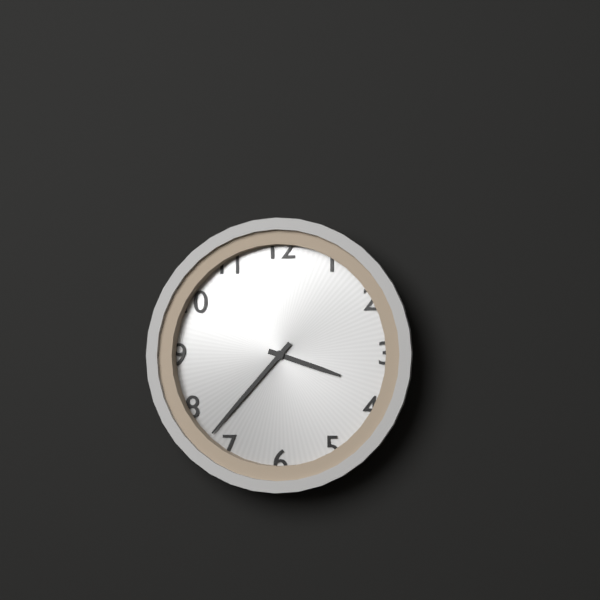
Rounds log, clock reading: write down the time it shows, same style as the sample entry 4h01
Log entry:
3h37
